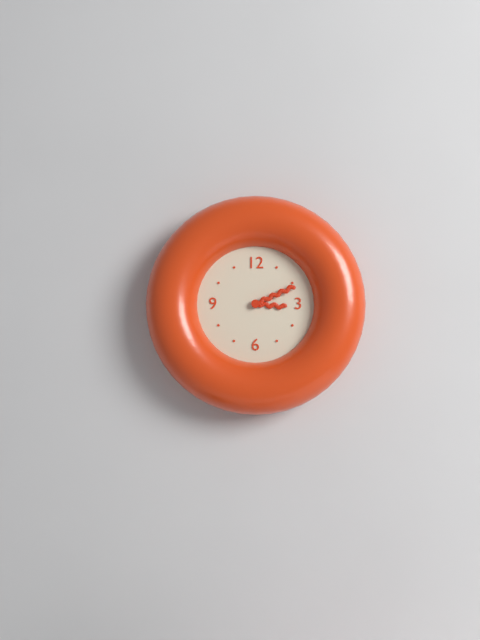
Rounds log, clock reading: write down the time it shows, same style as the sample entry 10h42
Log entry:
3h11
